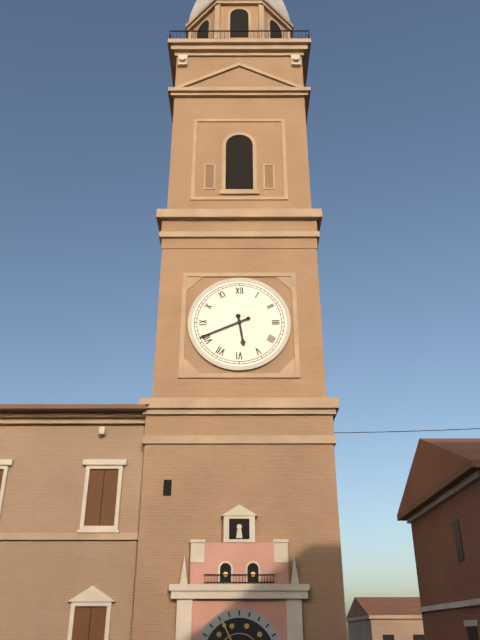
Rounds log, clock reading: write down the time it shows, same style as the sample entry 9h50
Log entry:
5h41
